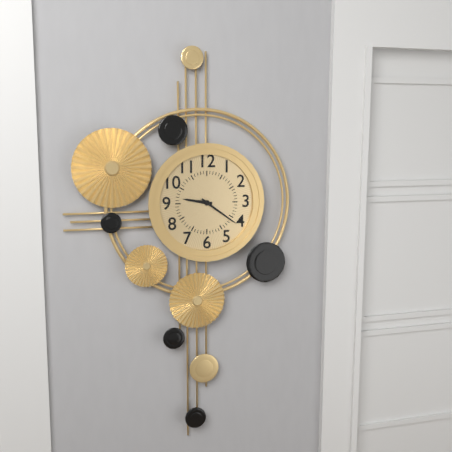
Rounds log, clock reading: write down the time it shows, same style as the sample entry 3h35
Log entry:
9h21
